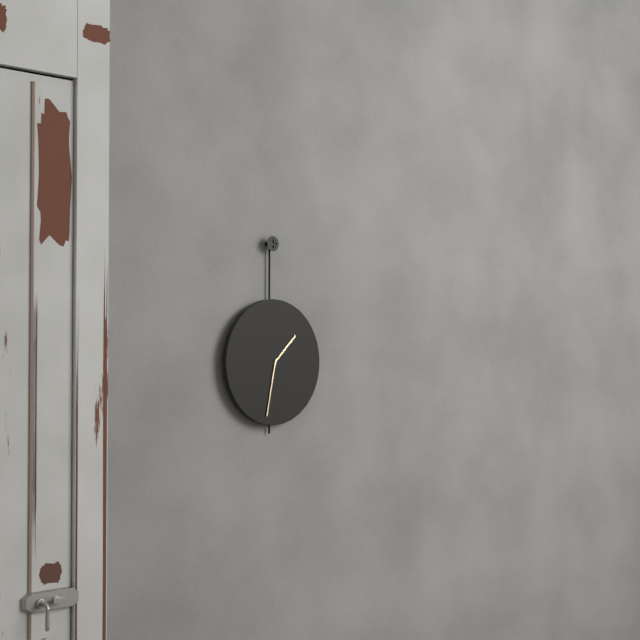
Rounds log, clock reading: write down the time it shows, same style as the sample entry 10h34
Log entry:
1h32
